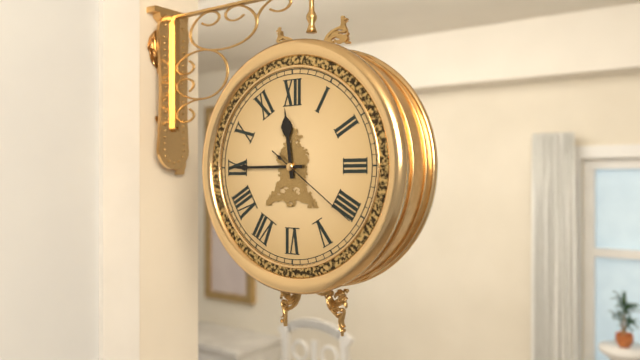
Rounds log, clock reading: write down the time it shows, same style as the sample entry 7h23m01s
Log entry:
11h45m21s
